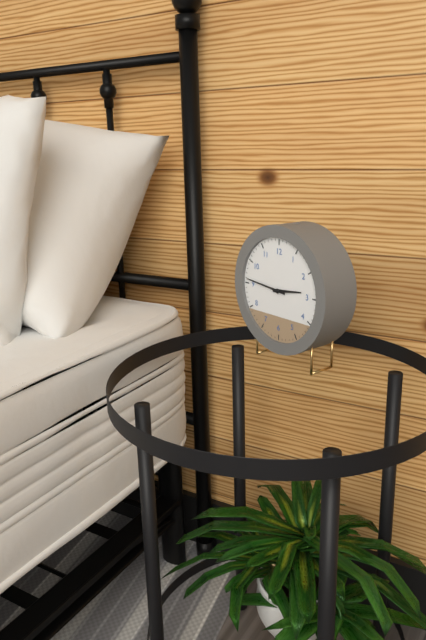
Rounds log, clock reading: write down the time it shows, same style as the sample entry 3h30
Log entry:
2h46
